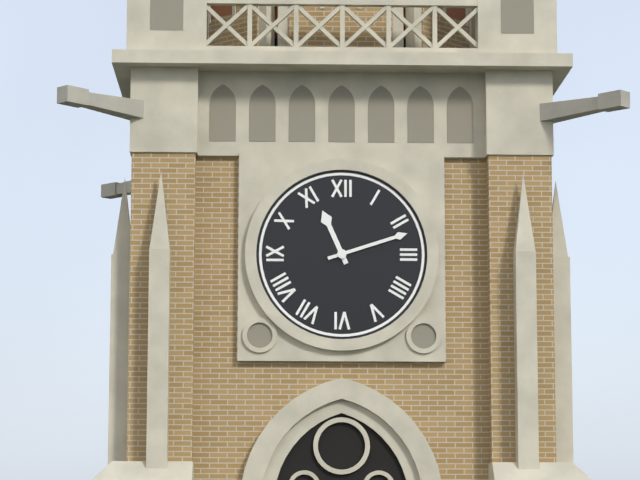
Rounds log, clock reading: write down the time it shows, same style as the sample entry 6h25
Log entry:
11h12
